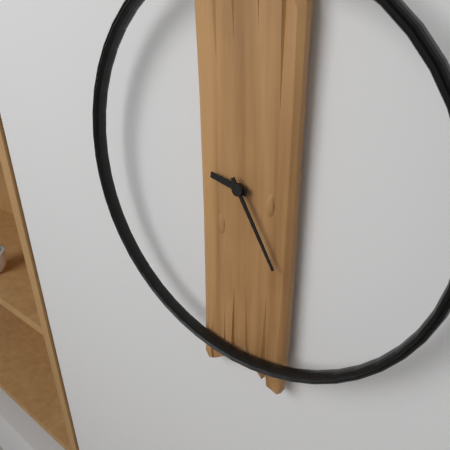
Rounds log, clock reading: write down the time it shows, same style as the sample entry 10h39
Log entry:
9h25
